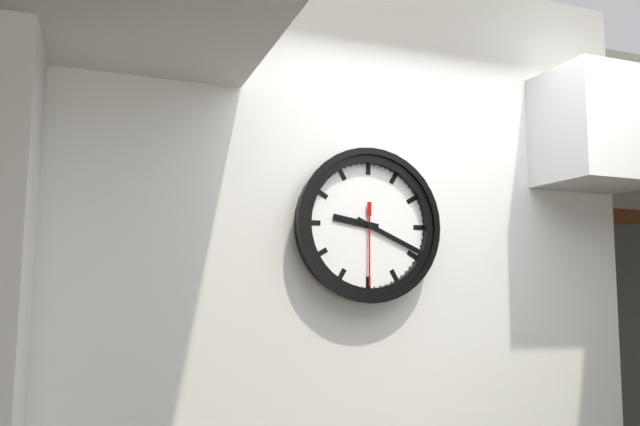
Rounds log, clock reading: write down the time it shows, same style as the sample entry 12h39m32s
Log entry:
9h19m30s
